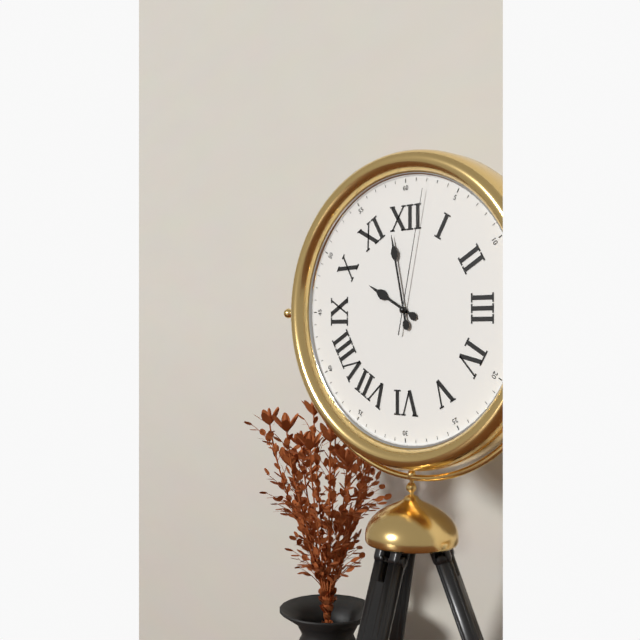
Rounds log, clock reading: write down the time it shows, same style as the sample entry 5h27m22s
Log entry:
9h58m02s
